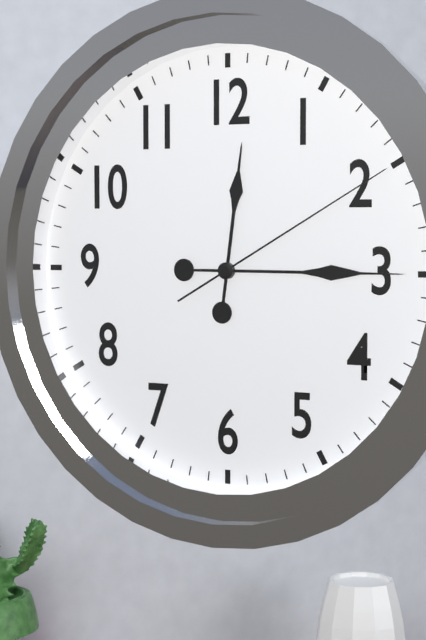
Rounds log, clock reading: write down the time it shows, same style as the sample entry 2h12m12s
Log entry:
12h15m10s
